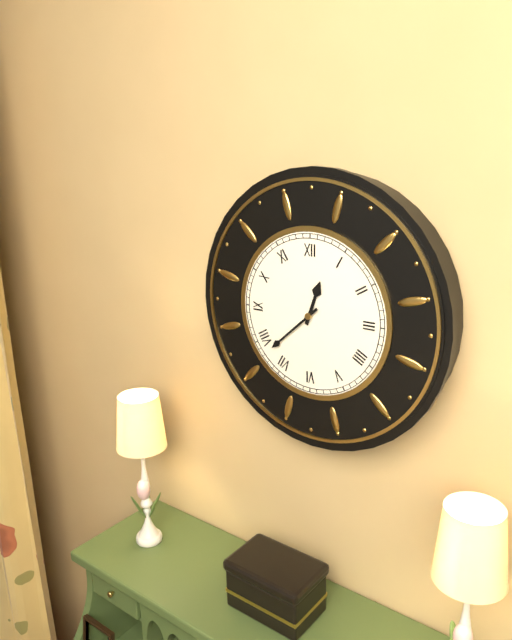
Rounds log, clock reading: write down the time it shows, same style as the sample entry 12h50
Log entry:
12h38
